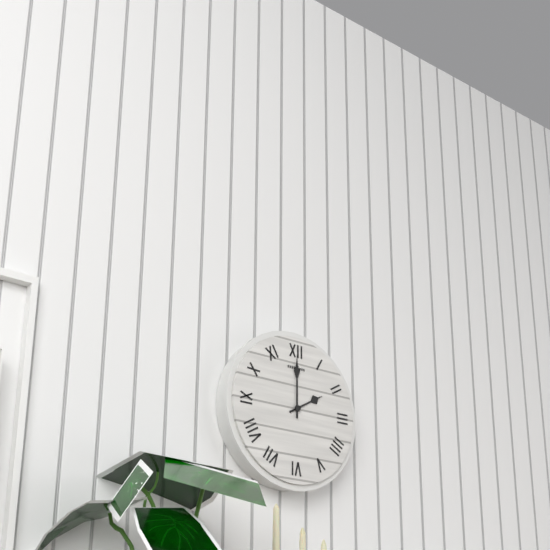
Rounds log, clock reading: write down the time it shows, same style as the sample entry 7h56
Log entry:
2h00
